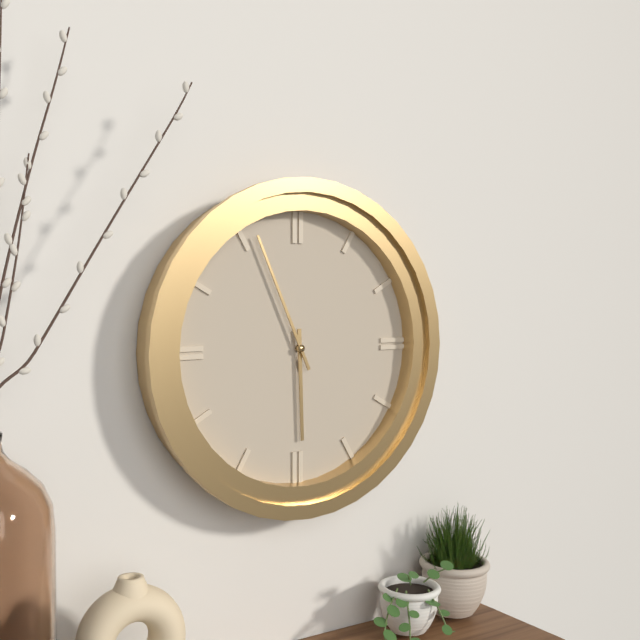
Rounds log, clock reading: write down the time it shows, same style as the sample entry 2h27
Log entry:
5h56
